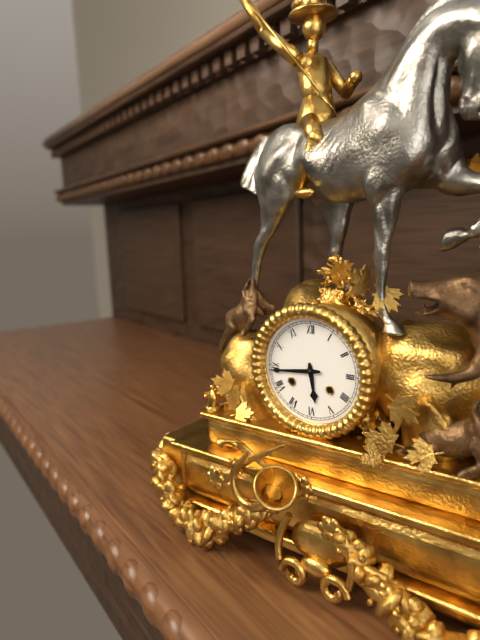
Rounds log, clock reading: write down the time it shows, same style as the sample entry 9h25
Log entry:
5h44
